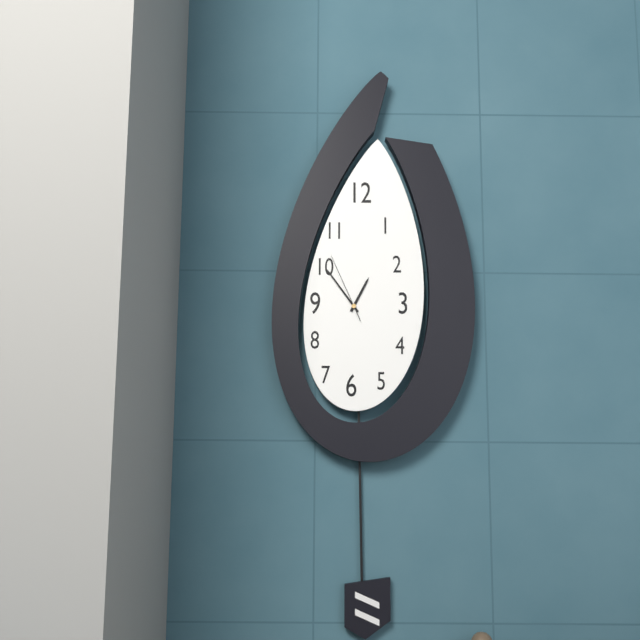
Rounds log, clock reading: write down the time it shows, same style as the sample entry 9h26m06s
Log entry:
12h54m56s
